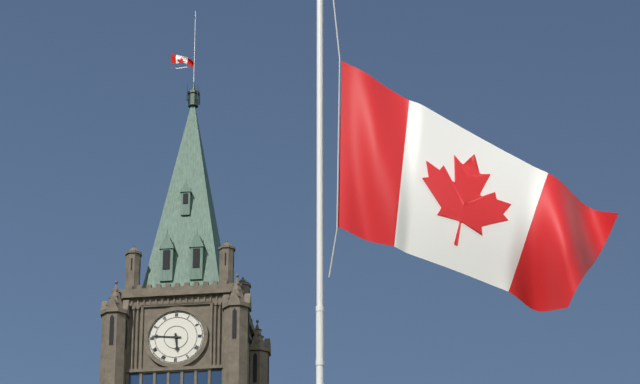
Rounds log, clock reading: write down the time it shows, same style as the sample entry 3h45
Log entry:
5h46
